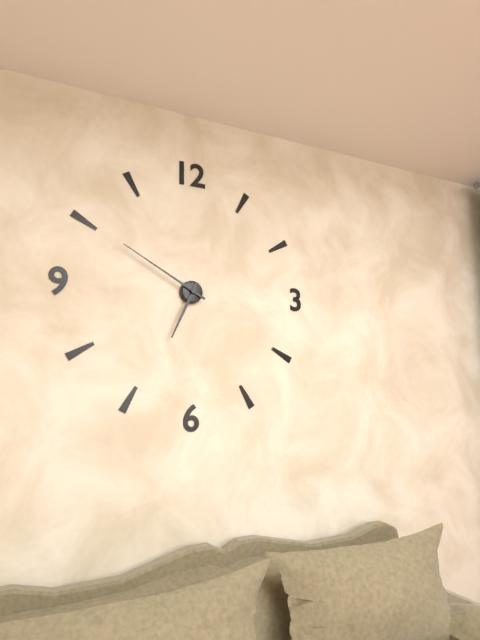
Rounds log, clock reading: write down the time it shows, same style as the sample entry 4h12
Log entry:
6h50
